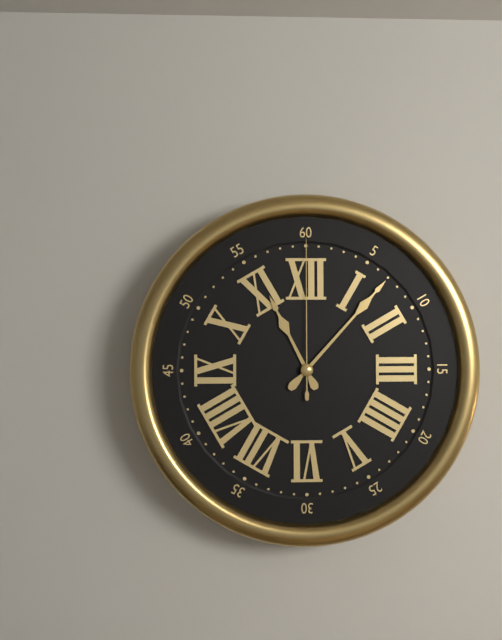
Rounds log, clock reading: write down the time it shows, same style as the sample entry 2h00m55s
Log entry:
11h07m00s
